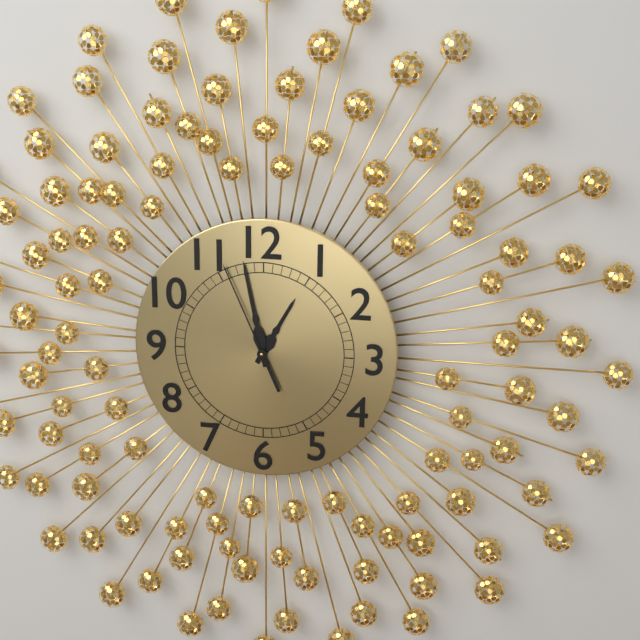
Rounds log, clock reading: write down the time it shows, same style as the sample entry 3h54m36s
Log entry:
12h58m56s
